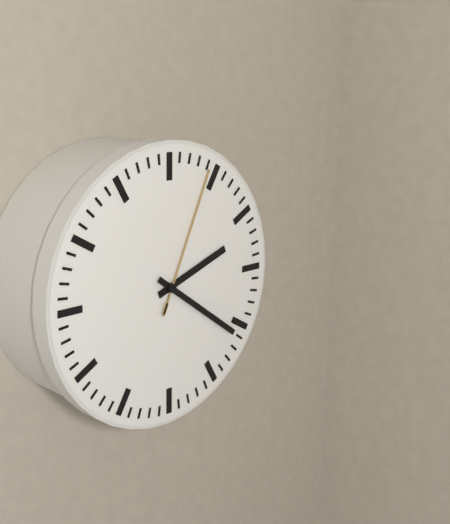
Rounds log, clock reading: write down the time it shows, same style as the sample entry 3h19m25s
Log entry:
2h21m04s
